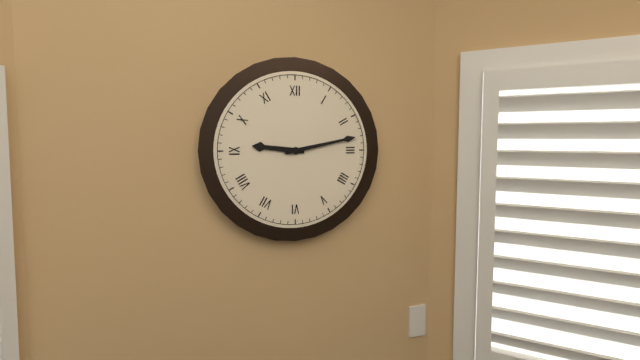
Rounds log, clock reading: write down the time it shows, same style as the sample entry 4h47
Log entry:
9h13
